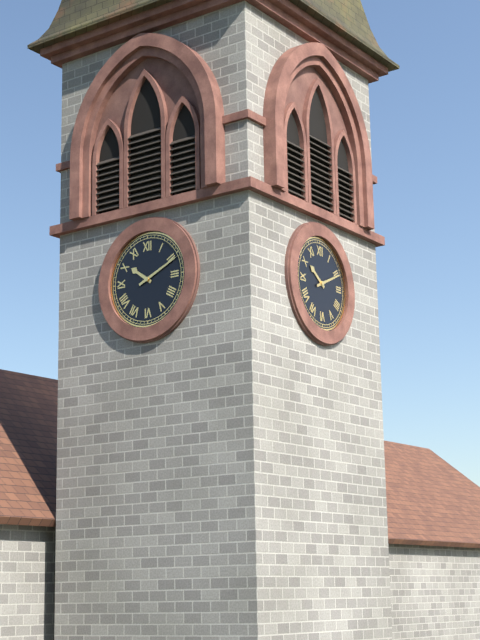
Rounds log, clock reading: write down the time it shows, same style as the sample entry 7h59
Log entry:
10h11
